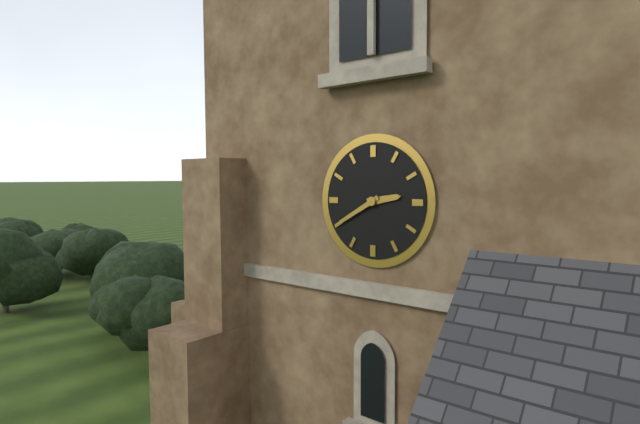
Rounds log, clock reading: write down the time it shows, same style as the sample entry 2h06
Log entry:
2h40
